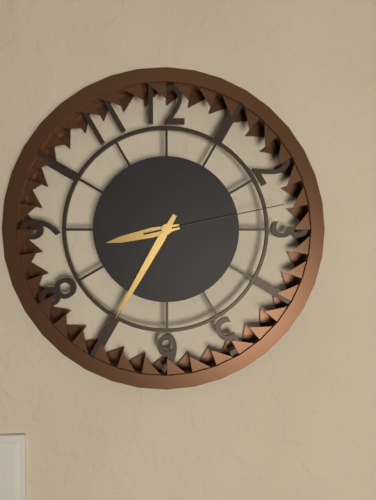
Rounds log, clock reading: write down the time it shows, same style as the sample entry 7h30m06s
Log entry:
8h35m13s
